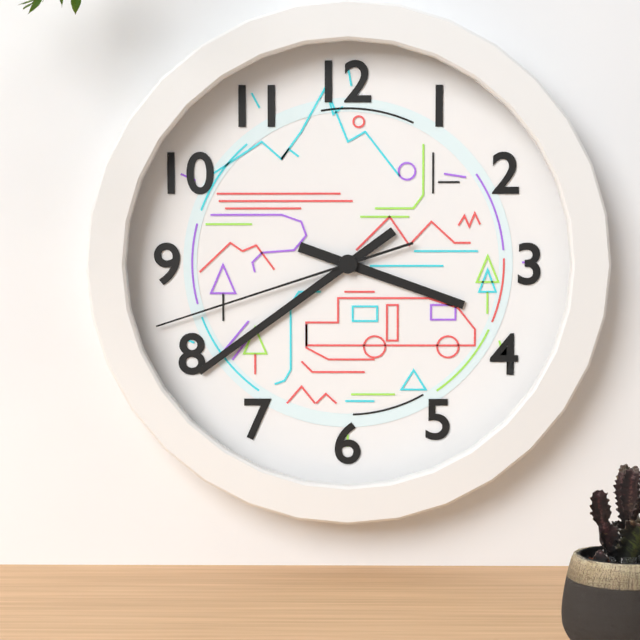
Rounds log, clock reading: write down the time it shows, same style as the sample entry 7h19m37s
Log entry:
3h39m42s
